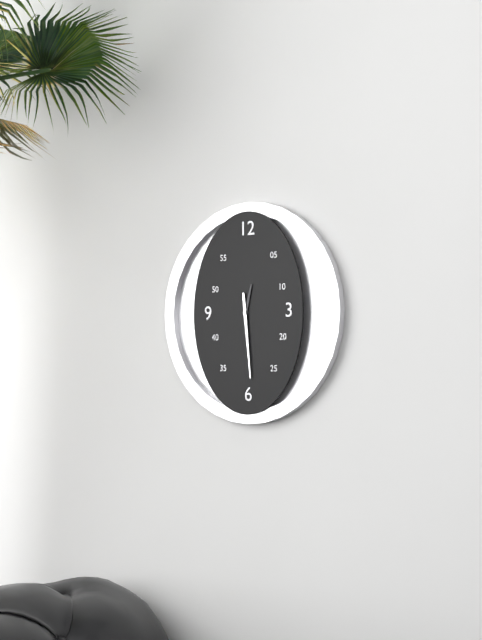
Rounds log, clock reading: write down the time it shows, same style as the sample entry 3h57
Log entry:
12h29
